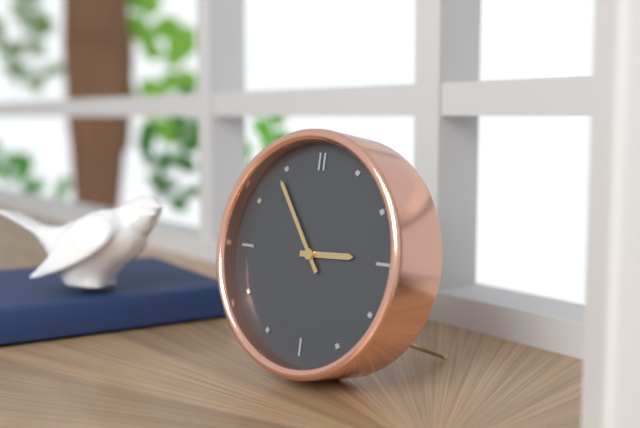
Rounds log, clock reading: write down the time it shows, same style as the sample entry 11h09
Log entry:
2h54
